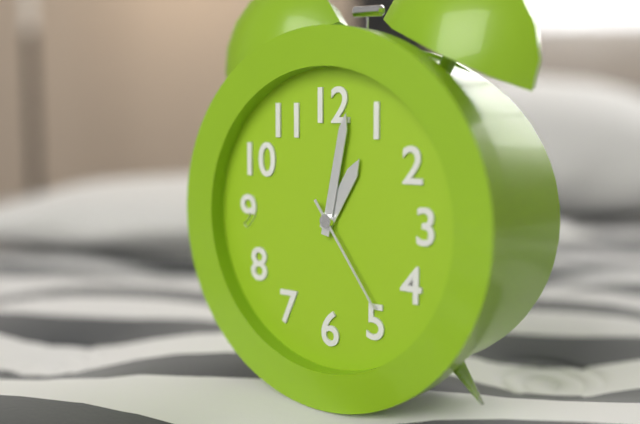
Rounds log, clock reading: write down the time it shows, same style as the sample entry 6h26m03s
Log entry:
1h02m24s
